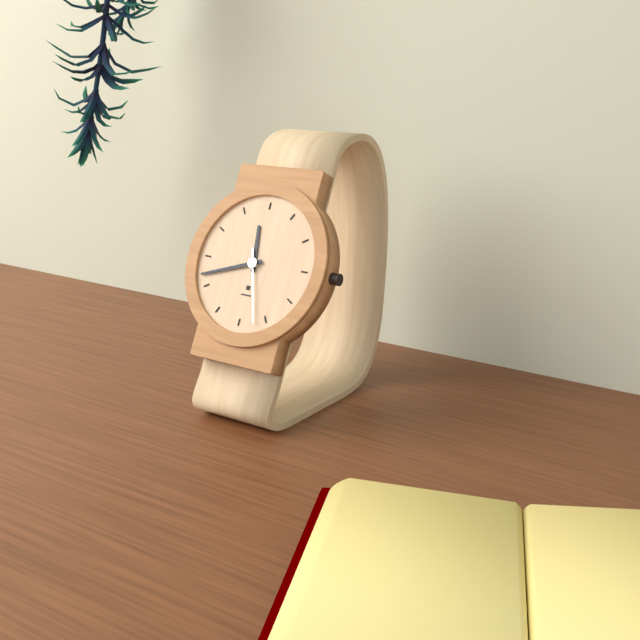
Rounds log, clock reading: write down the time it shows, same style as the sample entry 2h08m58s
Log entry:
11h42m27s
